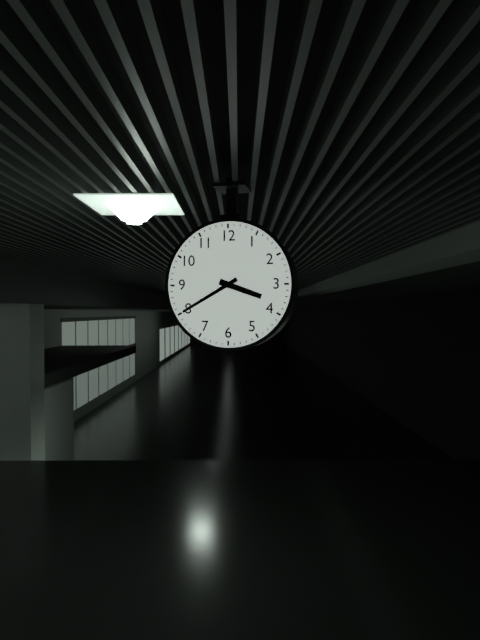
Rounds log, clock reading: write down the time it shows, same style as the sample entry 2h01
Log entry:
3h40
